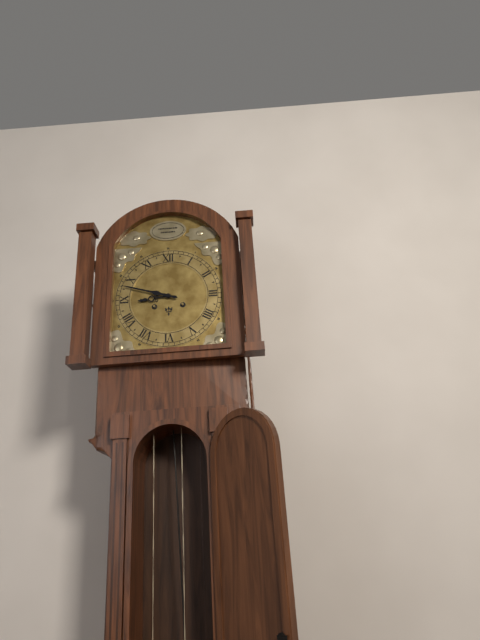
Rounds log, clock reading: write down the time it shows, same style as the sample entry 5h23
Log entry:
8h48
